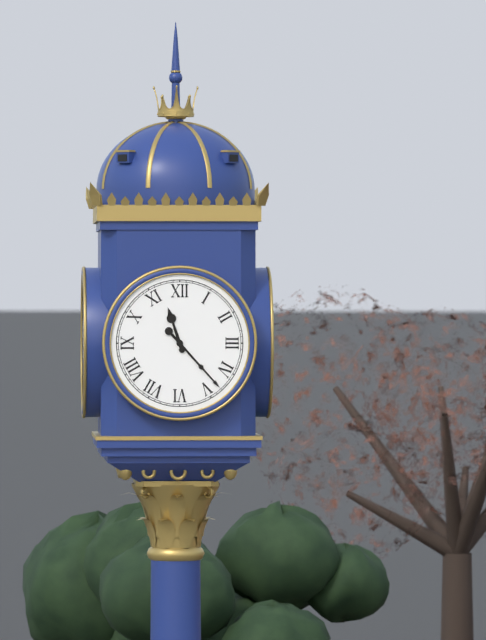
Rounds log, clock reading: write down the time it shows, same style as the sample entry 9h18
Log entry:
11h23
